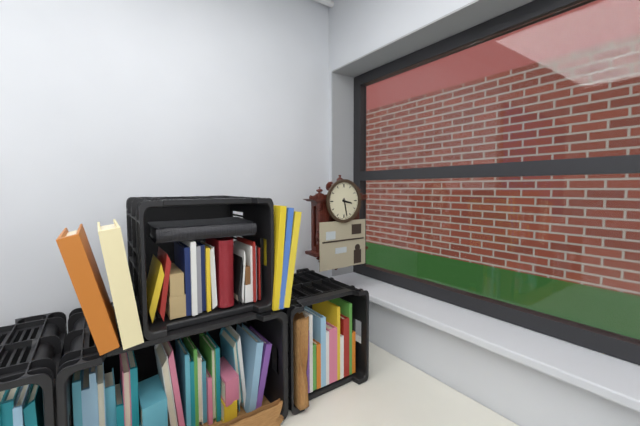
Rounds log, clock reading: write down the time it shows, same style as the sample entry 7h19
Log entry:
3h28
